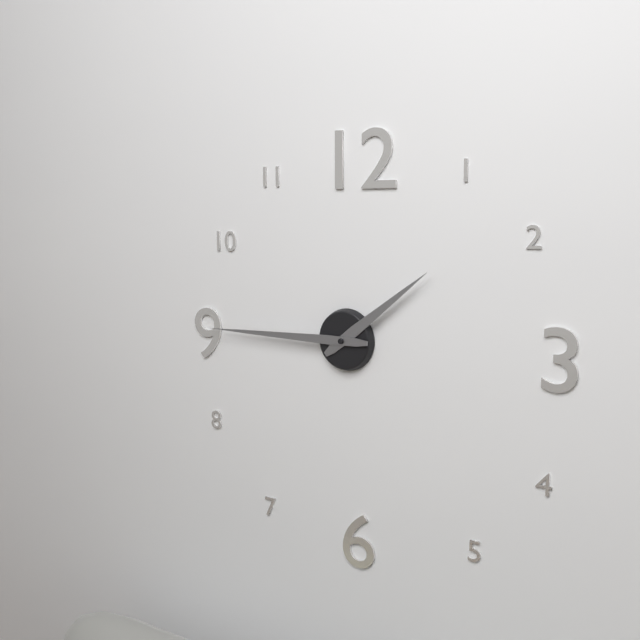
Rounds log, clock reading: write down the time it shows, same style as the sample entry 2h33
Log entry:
1h45
